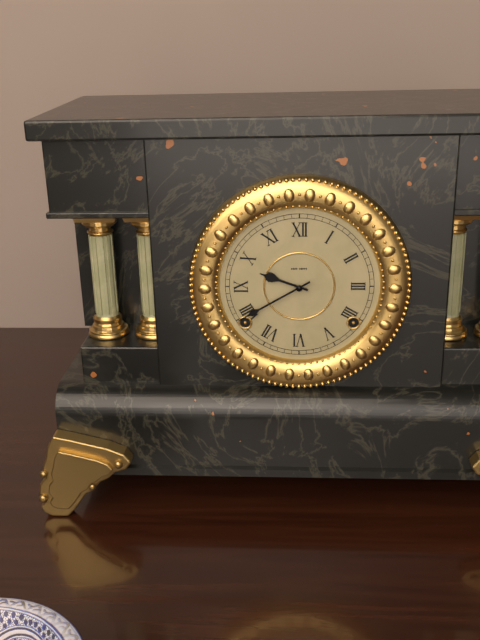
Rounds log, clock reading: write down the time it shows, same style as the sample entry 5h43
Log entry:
9h40
